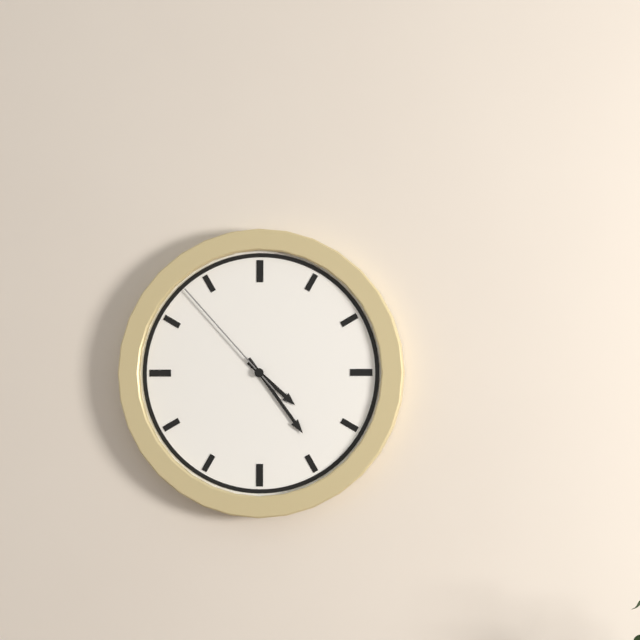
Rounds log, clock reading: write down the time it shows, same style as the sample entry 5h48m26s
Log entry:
4h24m53s
